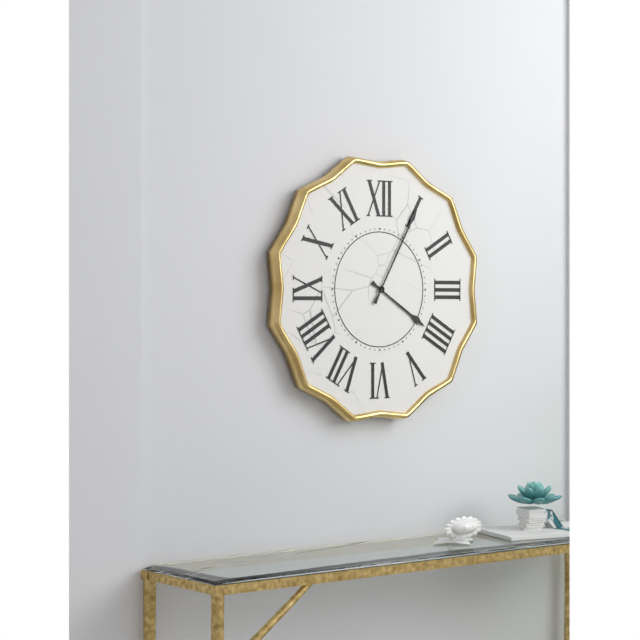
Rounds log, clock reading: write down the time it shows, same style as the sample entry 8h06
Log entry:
4h05
